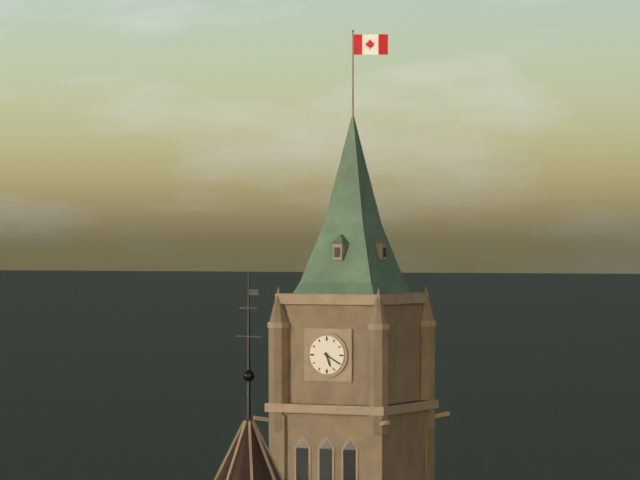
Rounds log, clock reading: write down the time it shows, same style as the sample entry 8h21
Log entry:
5h20
